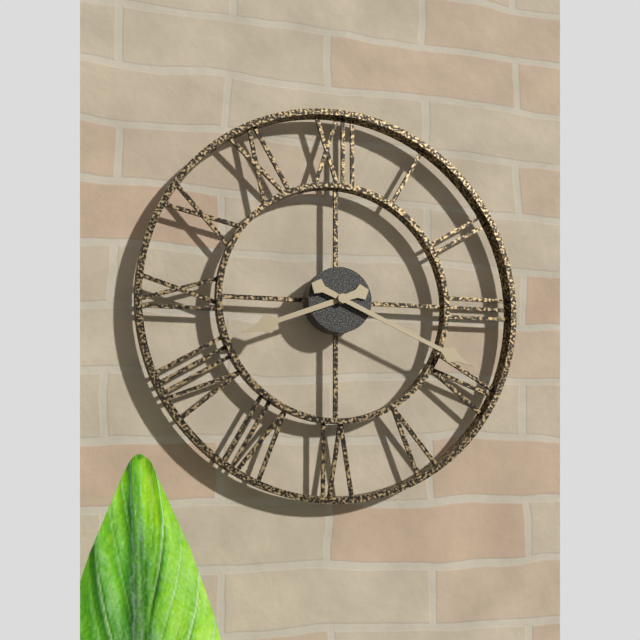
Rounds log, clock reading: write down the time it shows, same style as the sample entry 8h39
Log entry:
8h19
